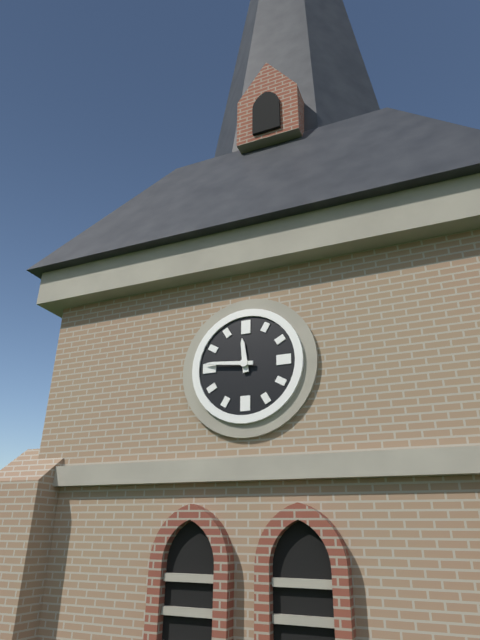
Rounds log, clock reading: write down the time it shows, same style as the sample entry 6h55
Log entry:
11h46
